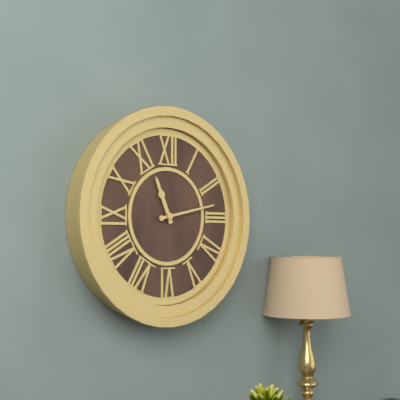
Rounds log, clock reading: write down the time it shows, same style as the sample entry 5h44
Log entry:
11h13
